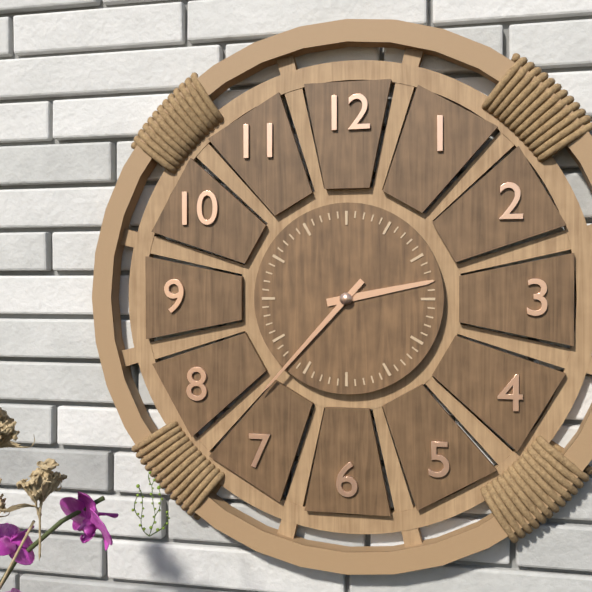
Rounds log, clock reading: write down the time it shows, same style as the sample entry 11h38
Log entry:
2h37
